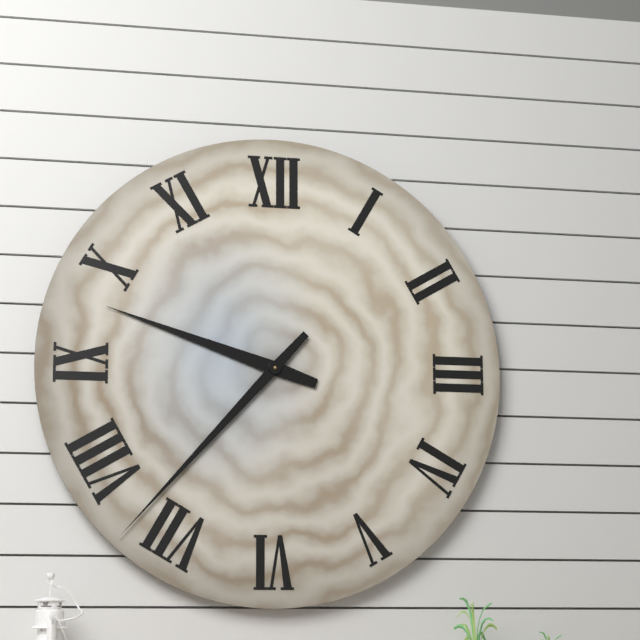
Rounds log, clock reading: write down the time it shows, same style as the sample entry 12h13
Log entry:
9h37
